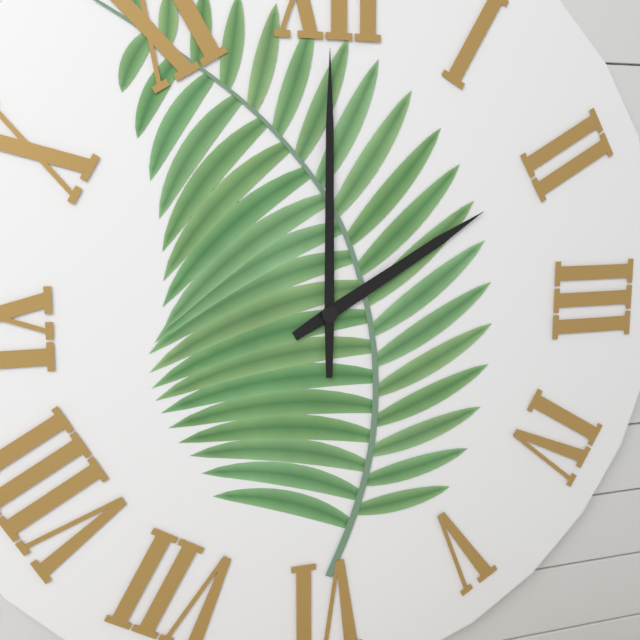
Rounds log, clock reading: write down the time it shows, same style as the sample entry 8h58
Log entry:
2h00
